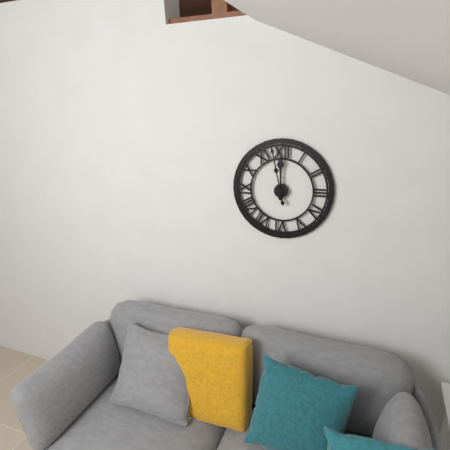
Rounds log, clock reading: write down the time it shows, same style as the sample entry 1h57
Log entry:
11h58
